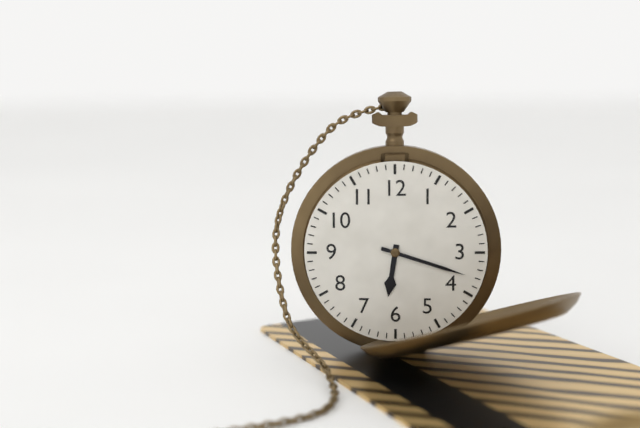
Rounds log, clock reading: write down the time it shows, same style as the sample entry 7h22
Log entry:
6h18
